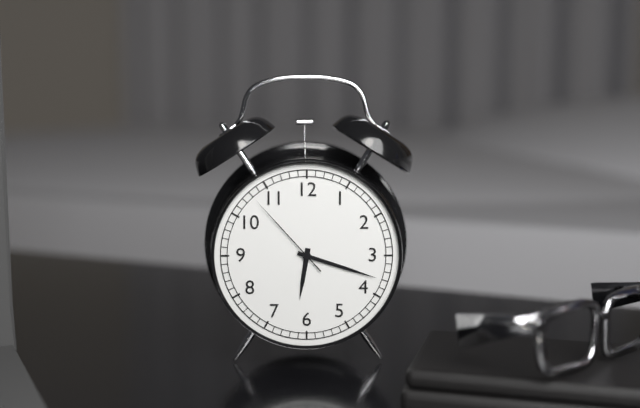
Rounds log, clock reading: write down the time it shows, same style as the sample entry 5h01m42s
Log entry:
6h18m53s
